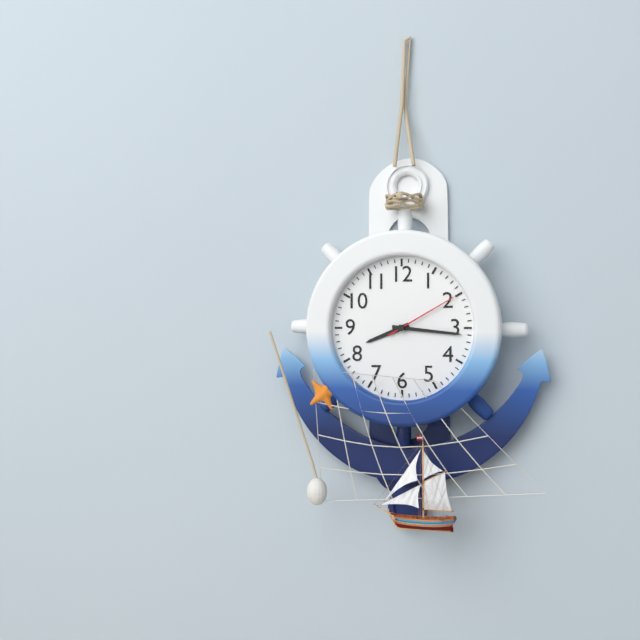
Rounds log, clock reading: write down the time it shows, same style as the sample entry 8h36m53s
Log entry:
8h16m10s
